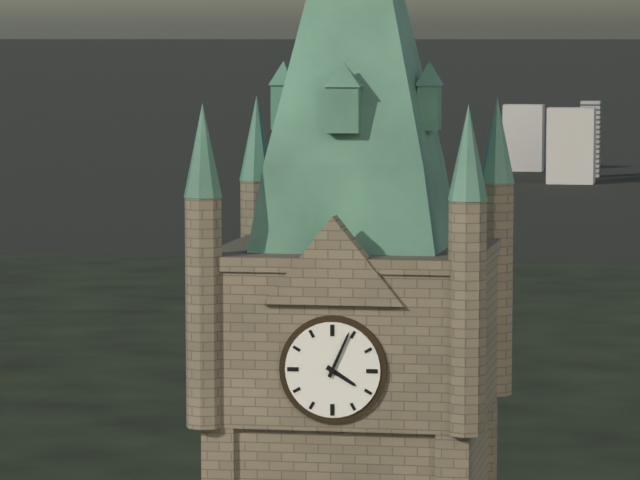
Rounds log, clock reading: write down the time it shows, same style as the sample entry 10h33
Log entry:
4h04
